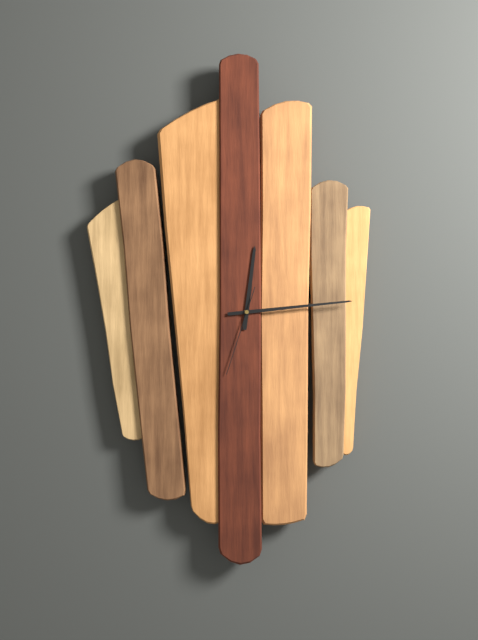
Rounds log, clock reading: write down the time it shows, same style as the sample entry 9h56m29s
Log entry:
12h14m33s
